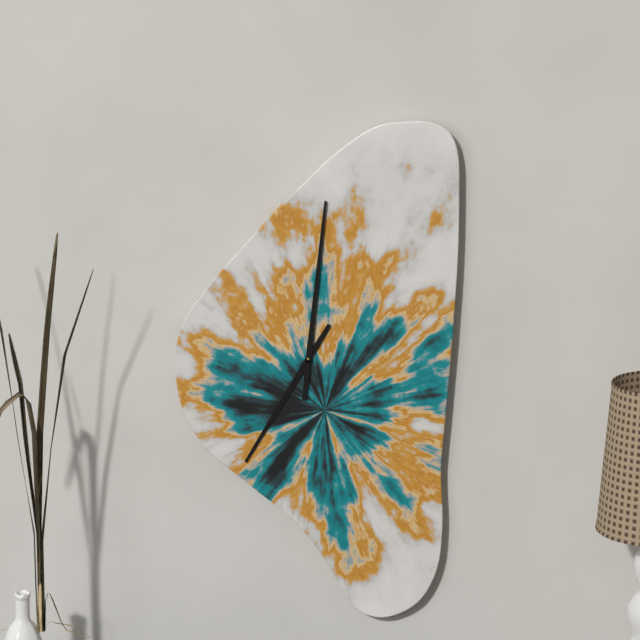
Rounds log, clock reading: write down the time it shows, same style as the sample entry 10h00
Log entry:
7h01
